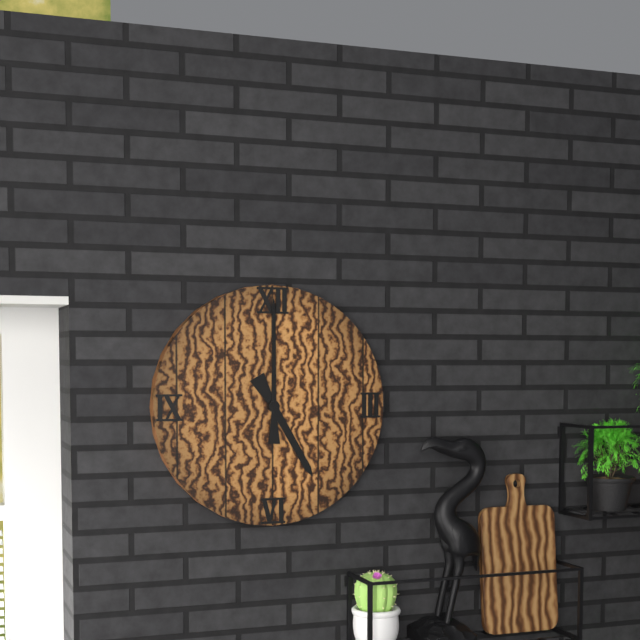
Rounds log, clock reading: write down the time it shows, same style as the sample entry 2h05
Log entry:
5h00
